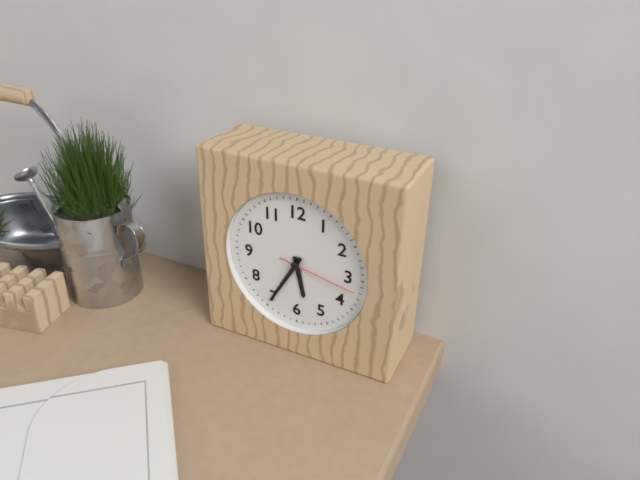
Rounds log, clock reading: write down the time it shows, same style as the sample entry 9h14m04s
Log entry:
5h35m17s
